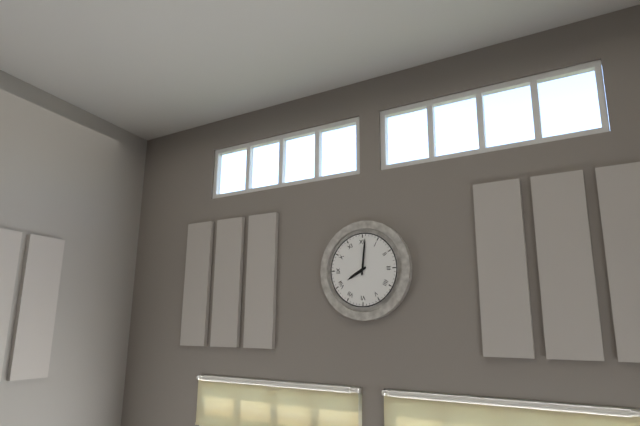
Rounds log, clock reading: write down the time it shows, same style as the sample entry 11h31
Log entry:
8h01
